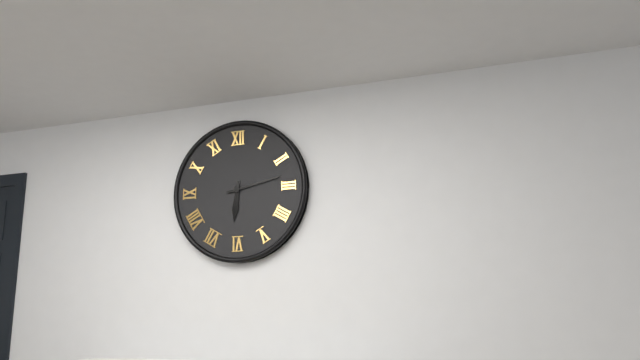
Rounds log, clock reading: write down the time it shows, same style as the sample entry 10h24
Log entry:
6h13
